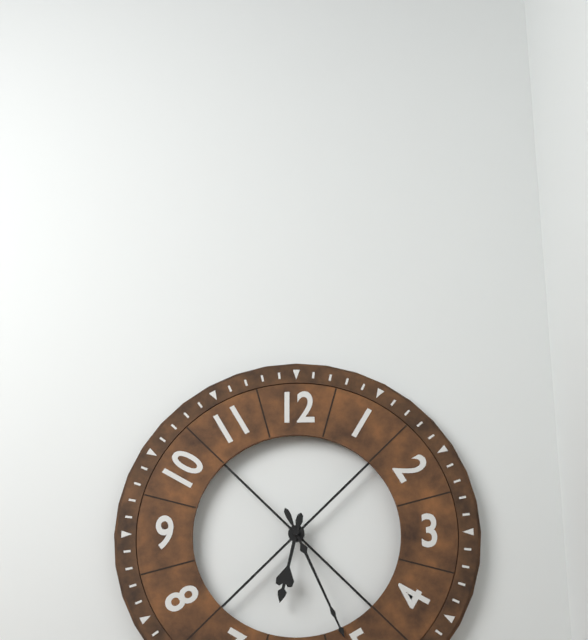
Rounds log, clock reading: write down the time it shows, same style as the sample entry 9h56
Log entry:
6h26
